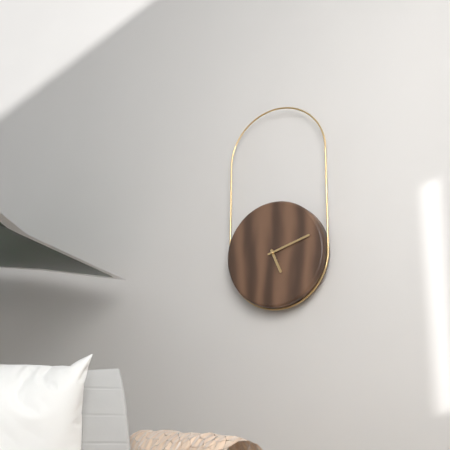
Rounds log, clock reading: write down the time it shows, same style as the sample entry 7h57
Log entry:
5h12
